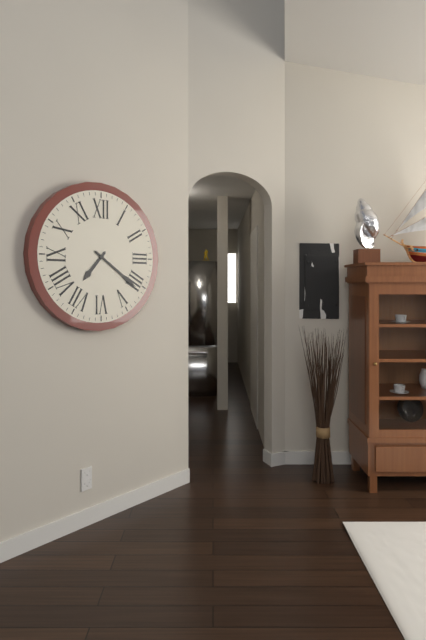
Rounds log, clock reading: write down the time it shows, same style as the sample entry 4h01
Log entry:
7h21
